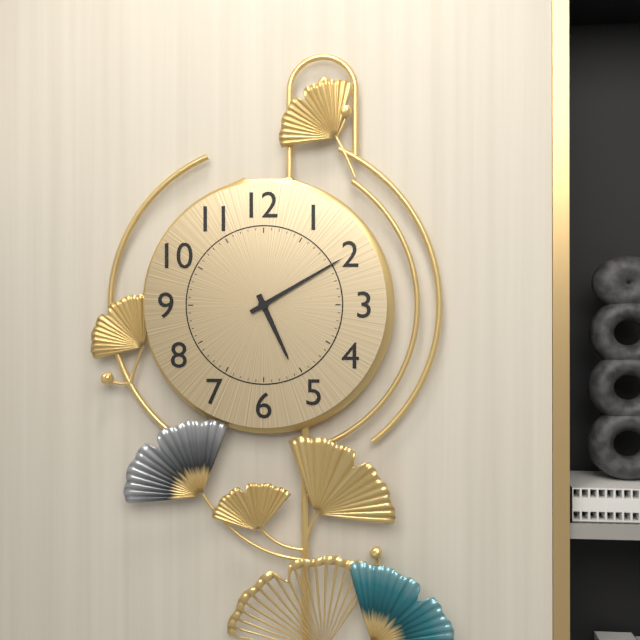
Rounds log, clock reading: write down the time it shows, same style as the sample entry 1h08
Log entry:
5h10
